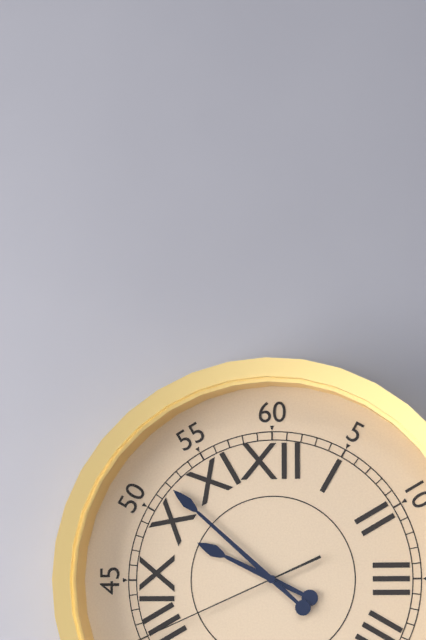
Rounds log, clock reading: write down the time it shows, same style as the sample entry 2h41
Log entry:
9h52
